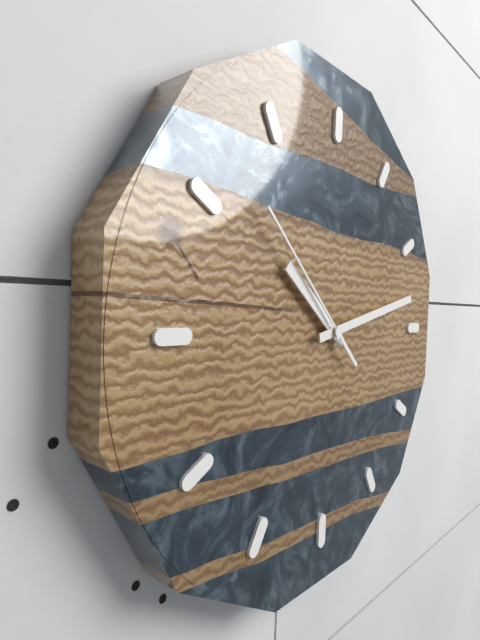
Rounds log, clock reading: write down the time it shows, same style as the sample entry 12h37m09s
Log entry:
10h13m52s
